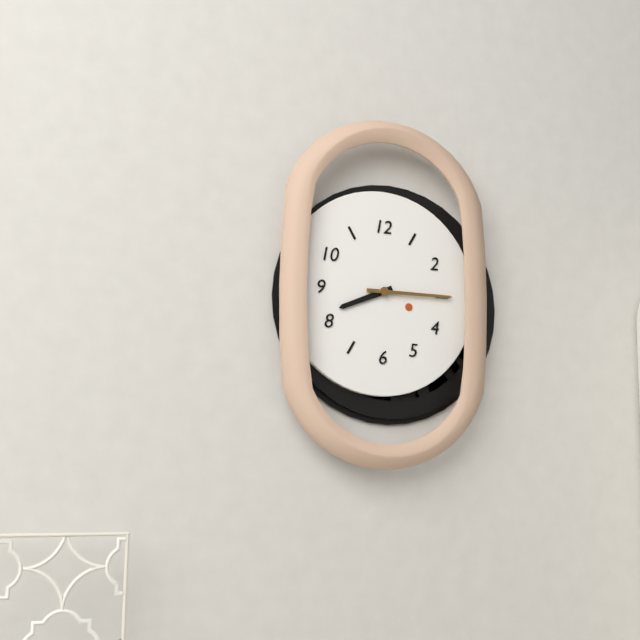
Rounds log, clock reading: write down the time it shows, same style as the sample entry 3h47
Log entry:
8h15
